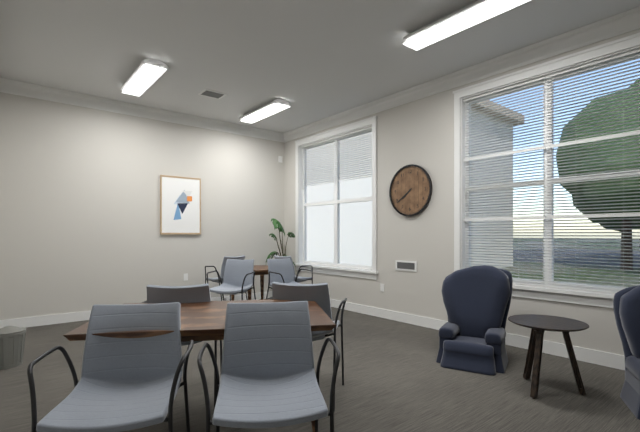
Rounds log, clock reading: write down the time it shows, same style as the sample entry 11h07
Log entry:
7h39
